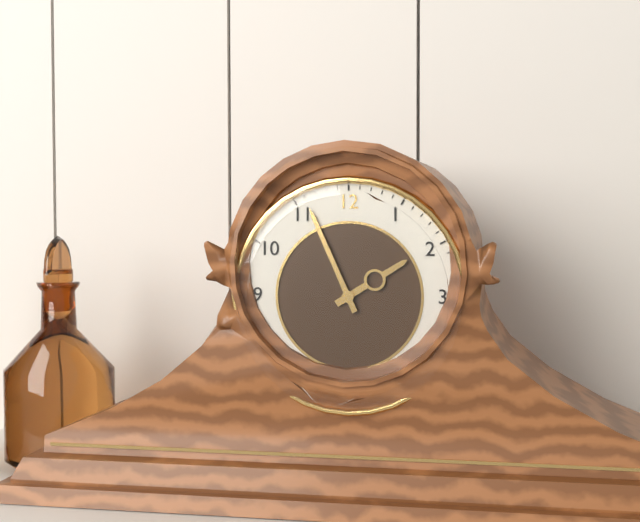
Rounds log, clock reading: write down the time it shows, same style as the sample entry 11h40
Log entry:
1h56
